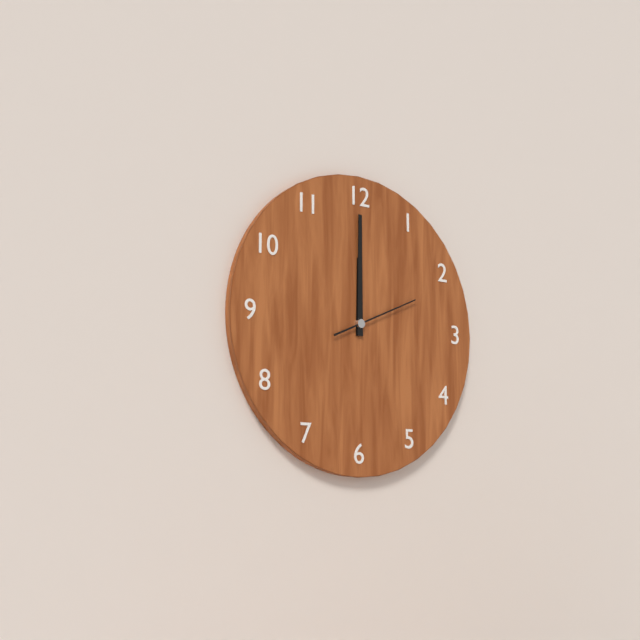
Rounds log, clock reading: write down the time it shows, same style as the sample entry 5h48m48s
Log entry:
12h00m11s
